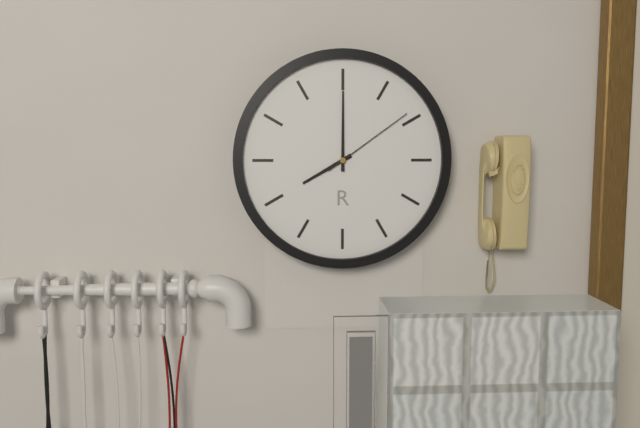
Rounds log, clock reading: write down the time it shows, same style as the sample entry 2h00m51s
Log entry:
8h00m09s
